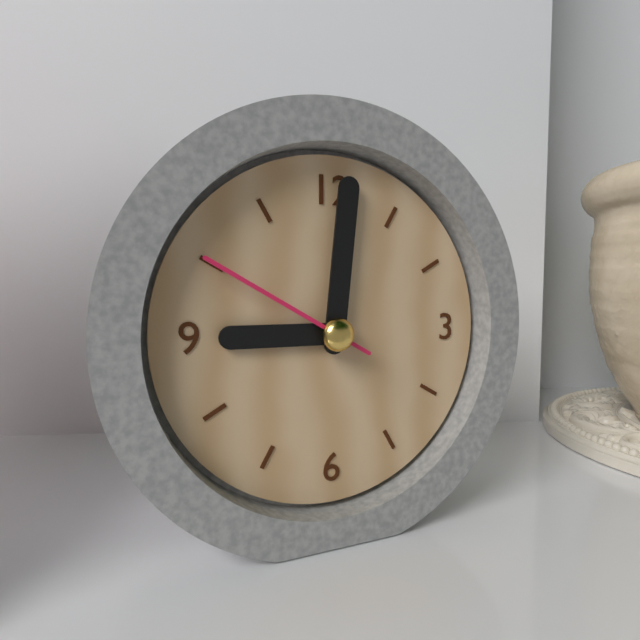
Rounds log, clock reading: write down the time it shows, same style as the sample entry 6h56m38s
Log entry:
9h01m50s
